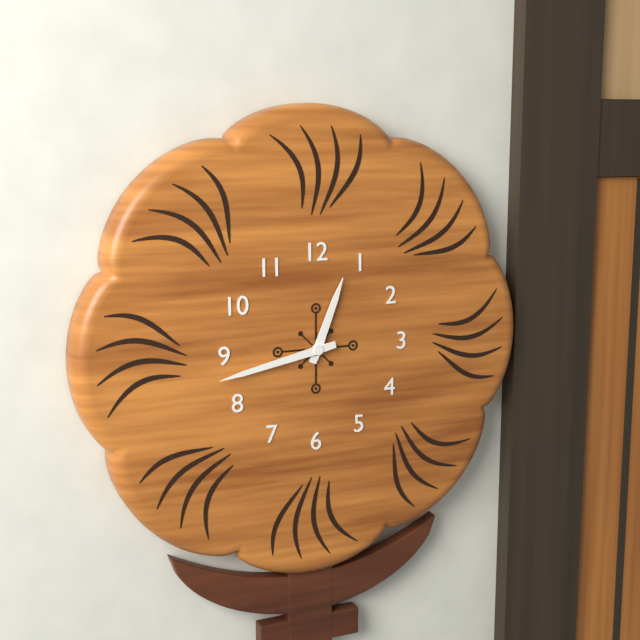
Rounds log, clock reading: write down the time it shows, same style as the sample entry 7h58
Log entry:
12h43
